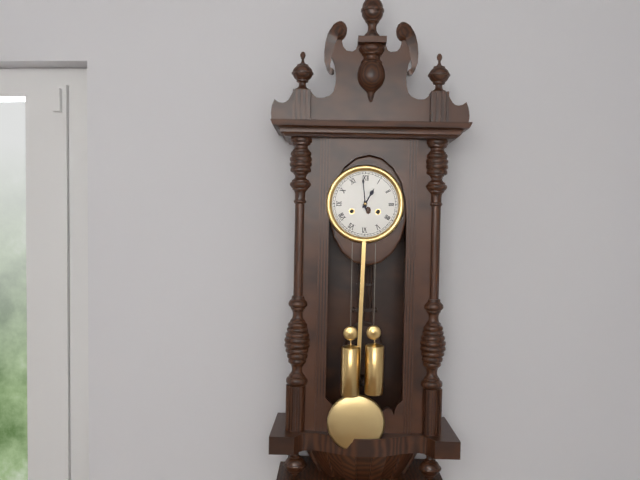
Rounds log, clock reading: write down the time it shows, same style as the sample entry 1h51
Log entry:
12h59
